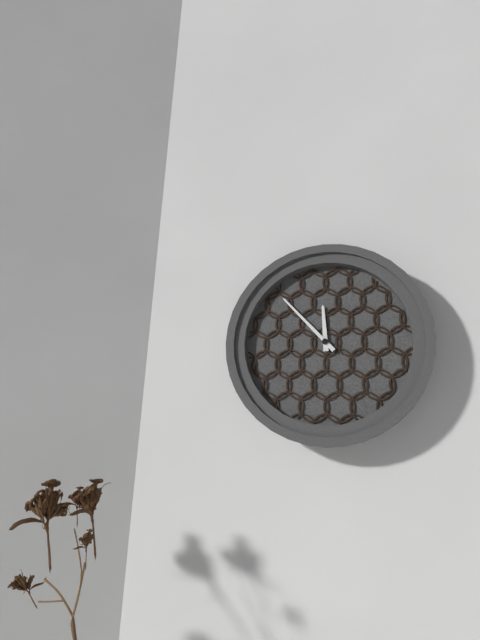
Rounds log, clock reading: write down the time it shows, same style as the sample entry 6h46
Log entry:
11h53
